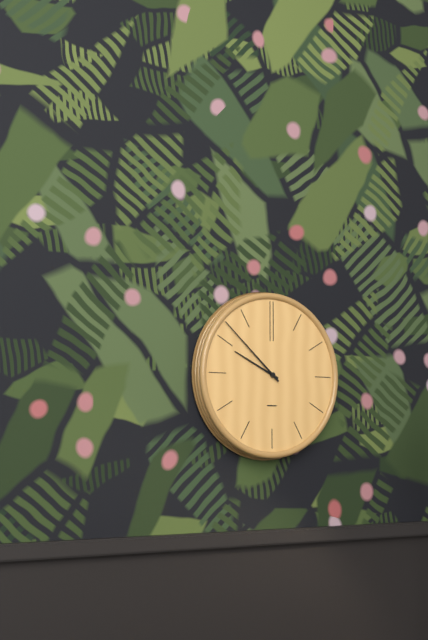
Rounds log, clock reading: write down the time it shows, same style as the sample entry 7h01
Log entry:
9h52
